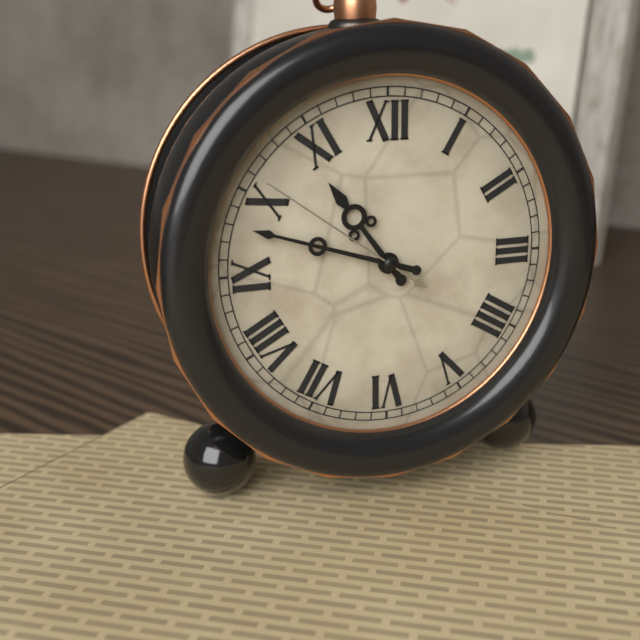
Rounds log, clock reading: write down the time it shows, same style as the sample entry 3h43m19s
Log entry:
10h48m51s
